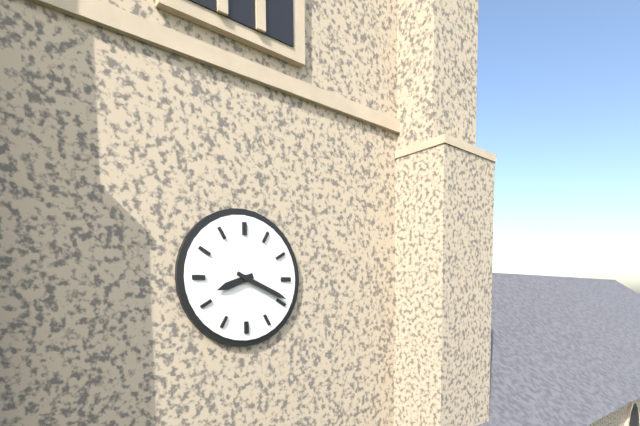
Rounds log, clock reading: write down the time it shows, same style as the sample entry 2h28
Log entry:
8h19
